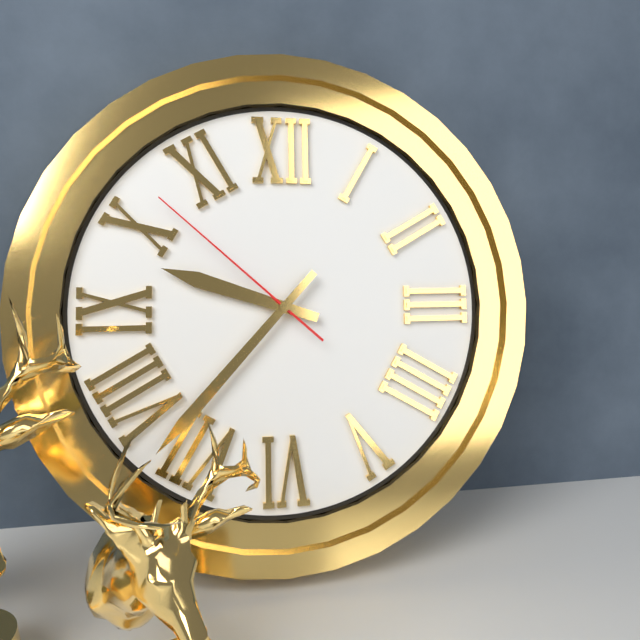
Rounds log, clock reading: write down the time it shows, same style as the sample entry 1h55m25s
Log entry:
9h37m52s
